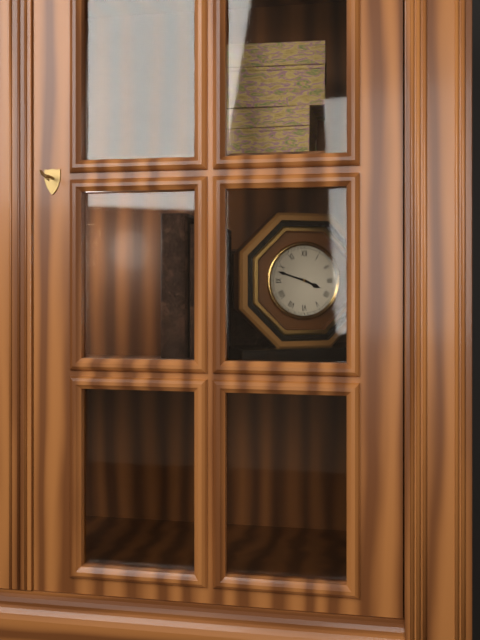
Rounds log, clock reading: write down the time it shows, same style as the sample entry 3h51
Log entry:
3h48
